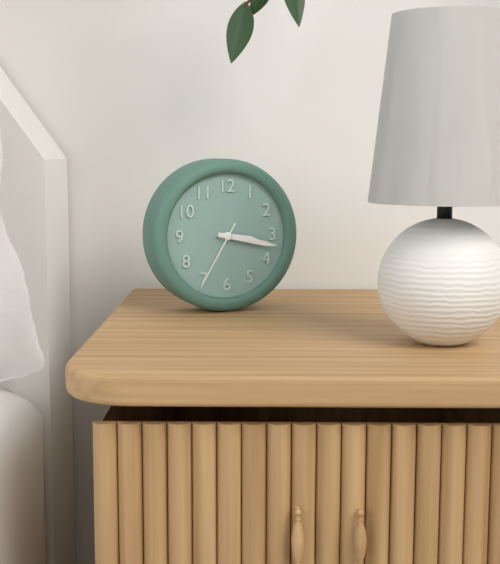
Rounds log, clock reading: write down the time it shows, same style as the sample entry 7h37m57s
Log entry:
3h17m35s
